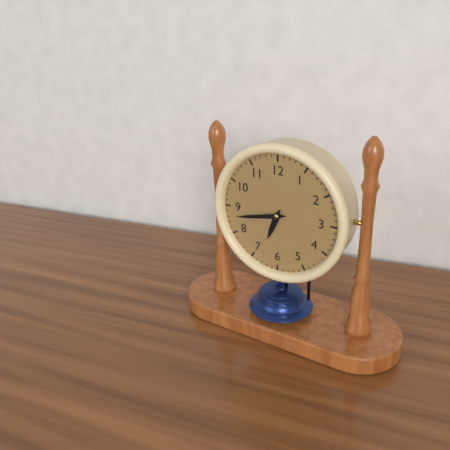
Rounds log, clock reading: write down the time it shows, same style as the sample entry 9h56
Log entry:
6h43
